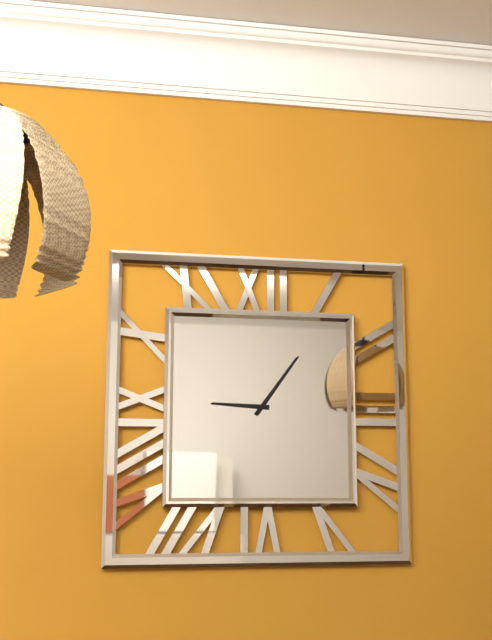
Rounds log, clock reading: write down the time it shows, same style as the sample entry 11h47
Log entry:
9h06
